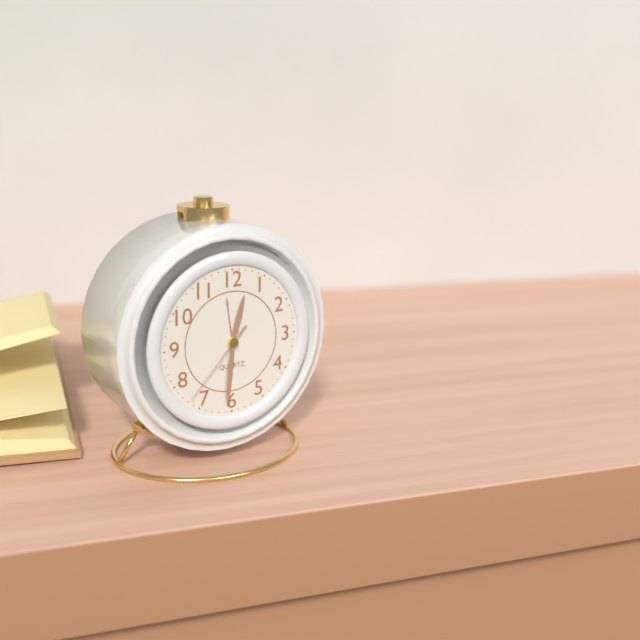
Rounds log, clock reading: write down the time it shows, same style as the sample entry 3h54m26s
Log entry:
12h31m37s
